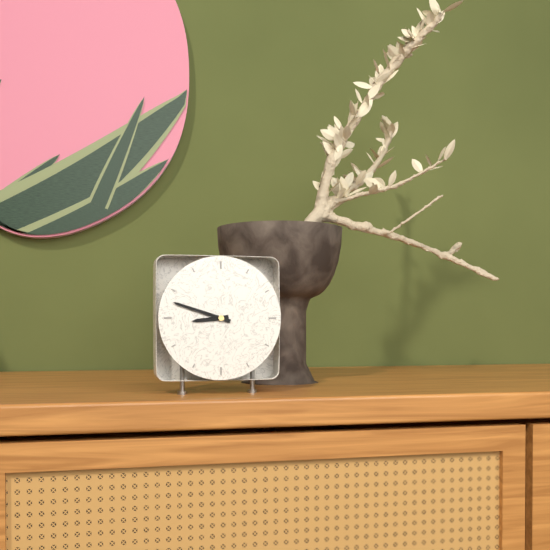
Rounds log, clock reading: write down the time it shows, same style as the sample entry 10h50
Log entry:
8h48
